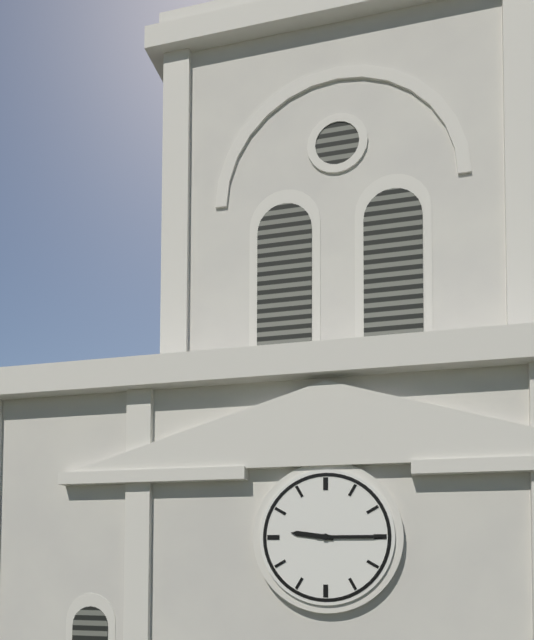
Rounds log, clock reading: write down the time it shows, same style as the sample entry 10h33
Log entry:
9h15
